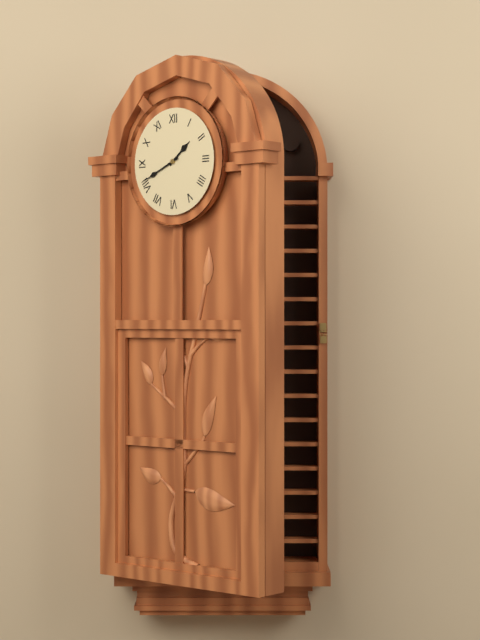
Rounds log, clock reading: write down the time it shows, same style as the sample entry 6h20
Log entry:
1h41
